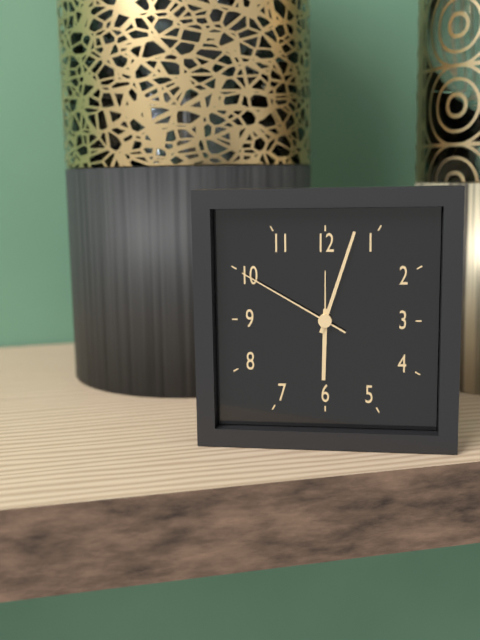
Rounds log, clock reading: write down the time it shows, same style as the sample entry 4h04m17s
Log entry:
6h03m50s
